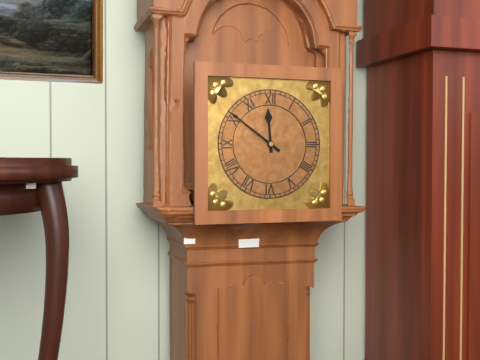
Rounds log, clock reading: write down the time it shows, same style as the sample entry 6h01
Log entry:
11h51
